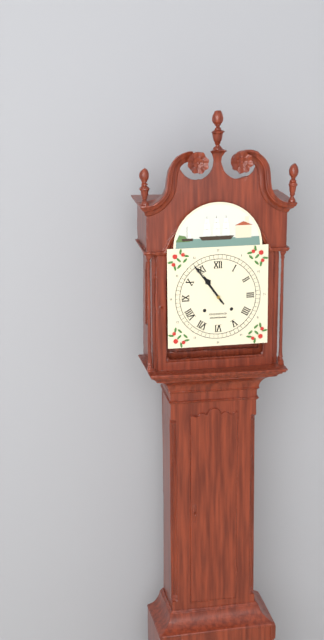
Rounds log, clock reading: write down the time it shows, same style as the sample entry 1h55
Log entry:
10h54
